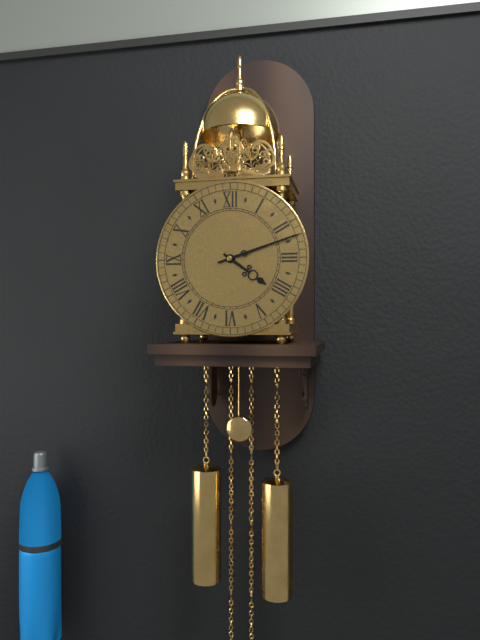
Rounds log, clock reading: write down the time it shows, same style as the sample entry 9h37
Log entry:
4h12
